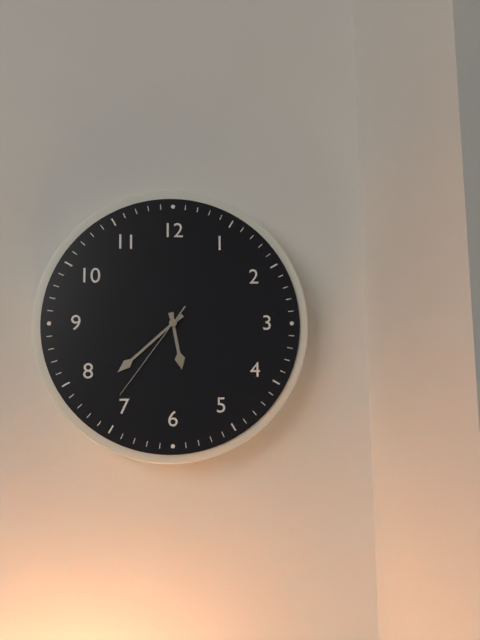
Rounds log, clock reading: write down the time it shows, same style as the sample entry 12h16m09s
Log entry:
5h38m36s
